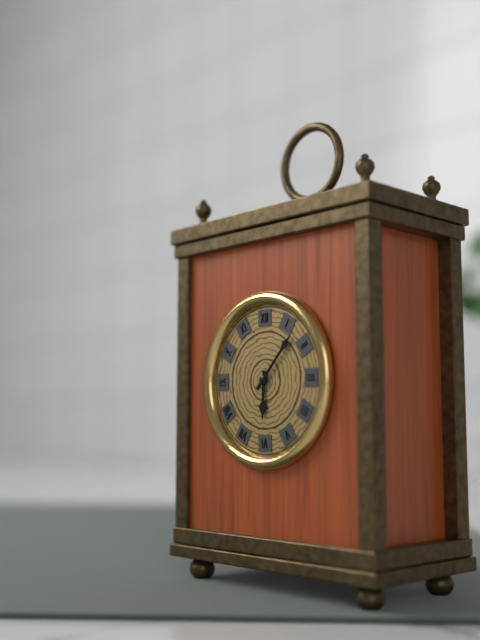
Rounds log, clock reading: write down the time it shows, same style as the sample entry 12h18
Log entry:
6h07
